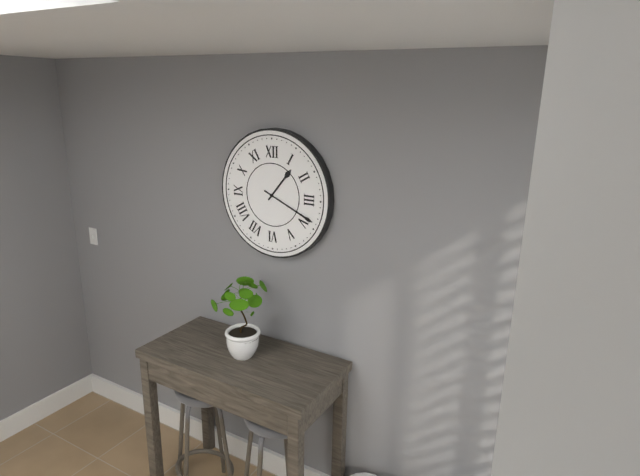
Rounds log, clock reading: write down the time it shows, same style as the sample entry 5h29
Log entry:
1h19
